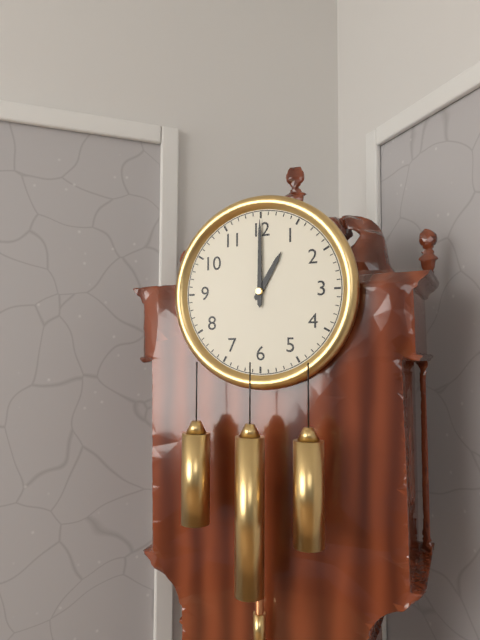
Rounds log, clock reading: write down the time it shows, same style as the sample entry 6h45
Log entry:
1h00
